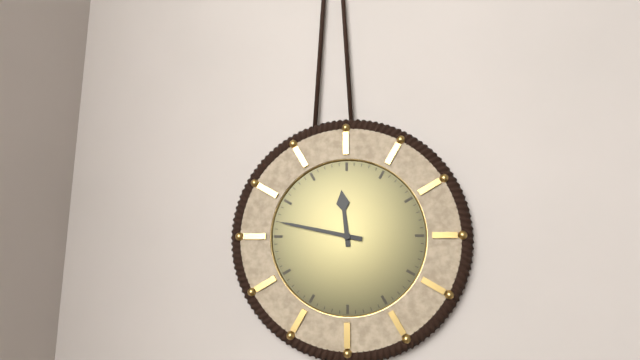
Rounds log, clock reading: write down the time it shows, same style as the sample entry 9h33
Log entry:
11h47
